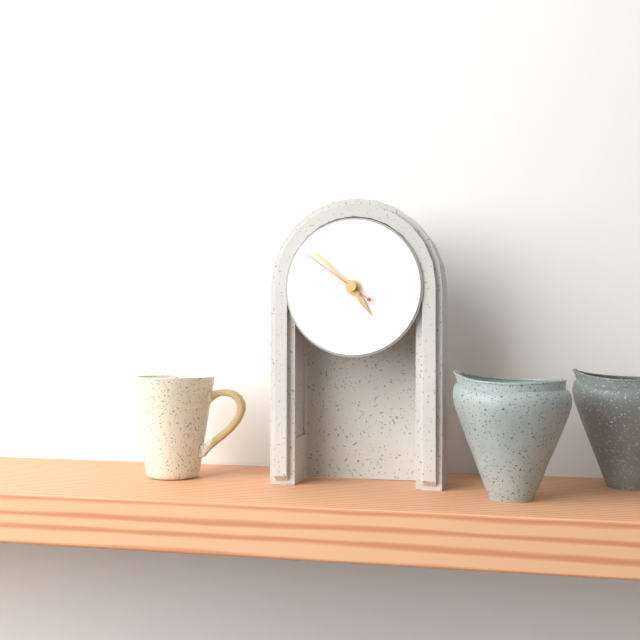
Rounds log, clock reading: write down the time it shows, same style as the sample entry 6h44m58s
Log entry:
4h52m51s
